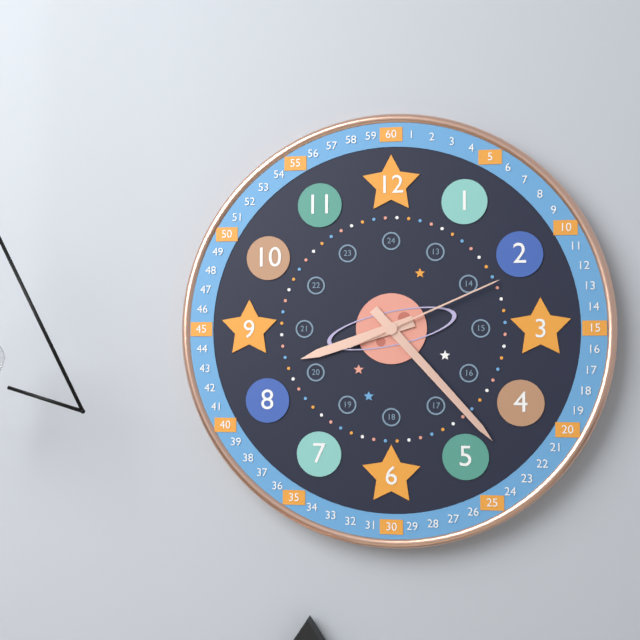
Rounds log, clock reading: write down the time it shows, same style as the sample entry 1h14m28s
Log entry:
8h23m11s
